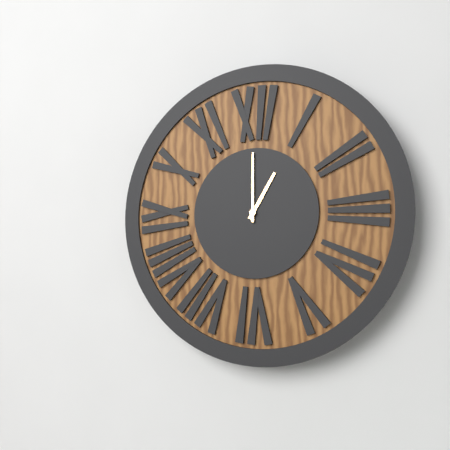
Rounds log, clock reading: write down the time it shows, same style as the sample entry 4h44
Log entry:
1h00
